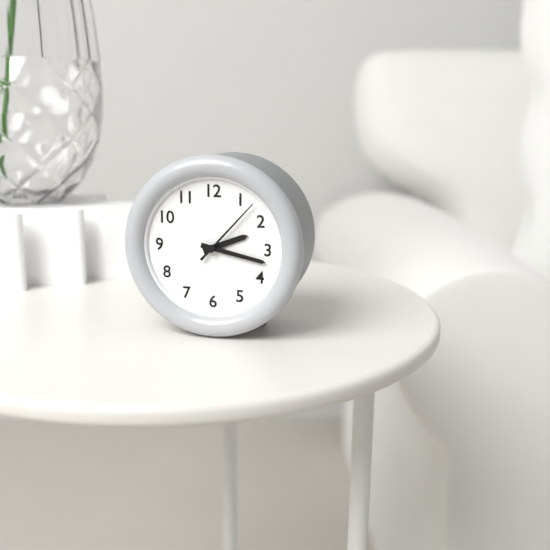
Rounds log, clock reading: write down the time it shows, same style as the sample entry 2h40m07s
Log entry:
2h17m07s
